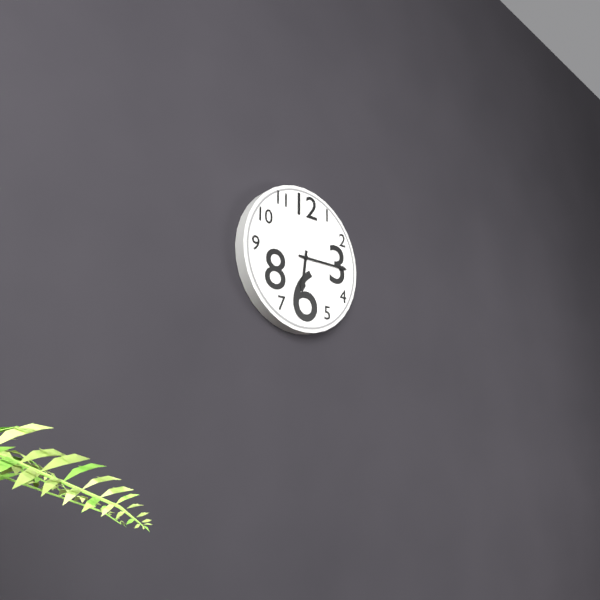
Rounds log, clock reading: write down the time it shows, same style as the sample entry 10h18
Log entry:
6h15
